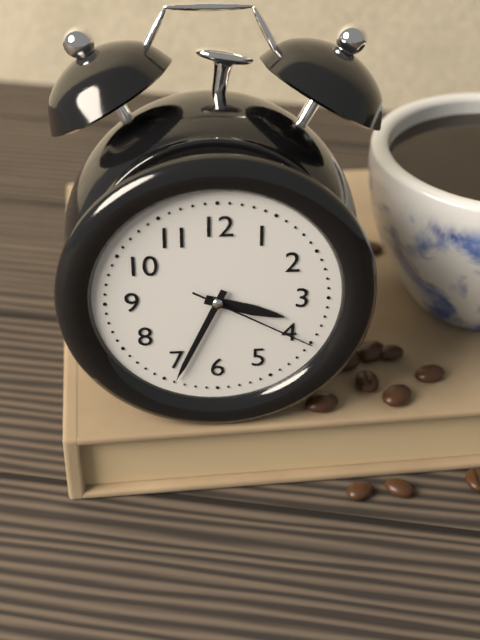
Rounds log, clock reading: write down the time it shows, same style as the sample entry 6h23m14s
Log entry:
3h34m20s
